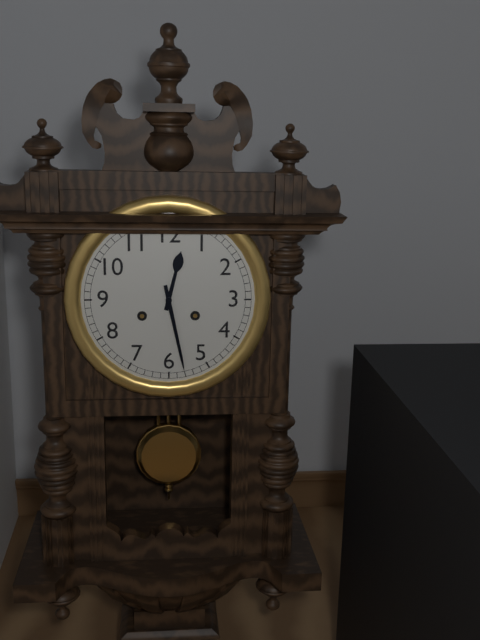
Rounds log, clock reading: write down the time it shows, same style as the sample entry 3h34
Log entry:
12h28
